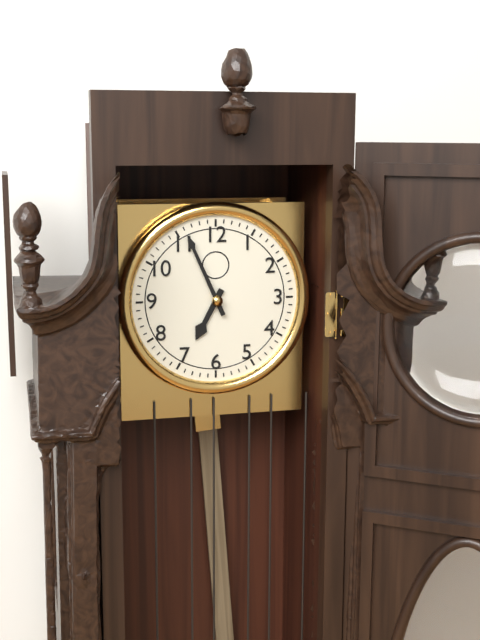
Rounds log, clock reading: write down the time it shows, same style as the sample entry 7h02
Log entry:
6h56
